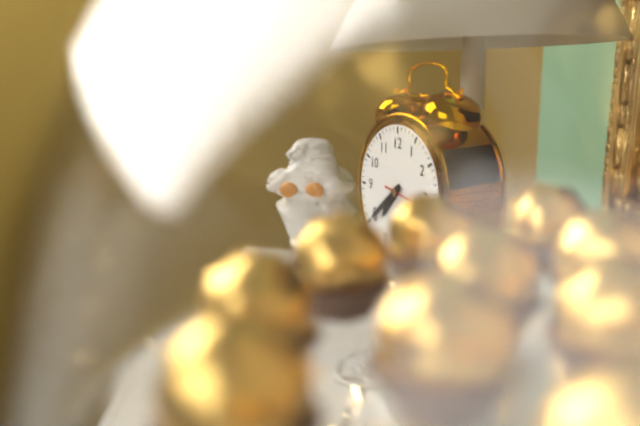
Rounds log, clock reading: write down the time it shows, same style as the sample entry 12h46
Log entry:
7h40
